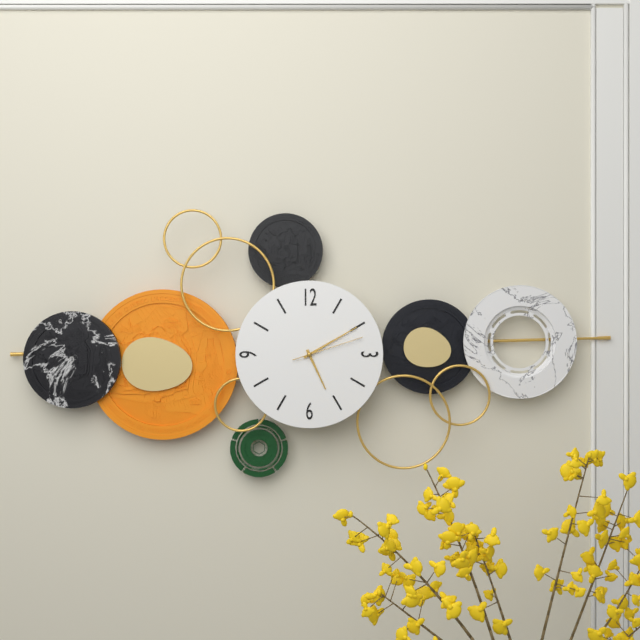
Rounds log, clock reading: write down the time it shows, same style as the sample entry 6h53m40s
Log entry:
5h10m12s
